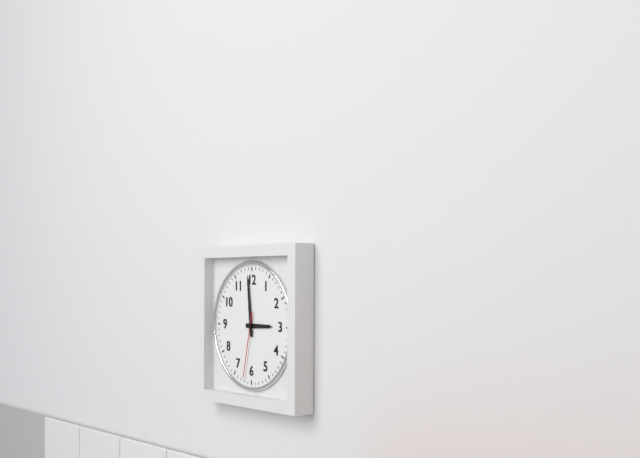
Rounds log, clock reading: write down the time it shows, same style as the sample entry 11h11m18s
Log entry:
2h59m32s
